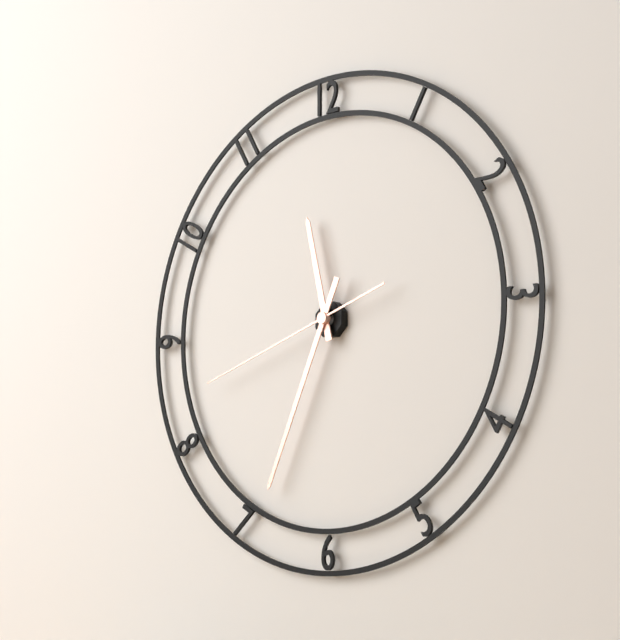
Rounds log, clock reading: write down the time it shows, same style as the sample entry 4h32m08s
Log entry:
11h34m42s
